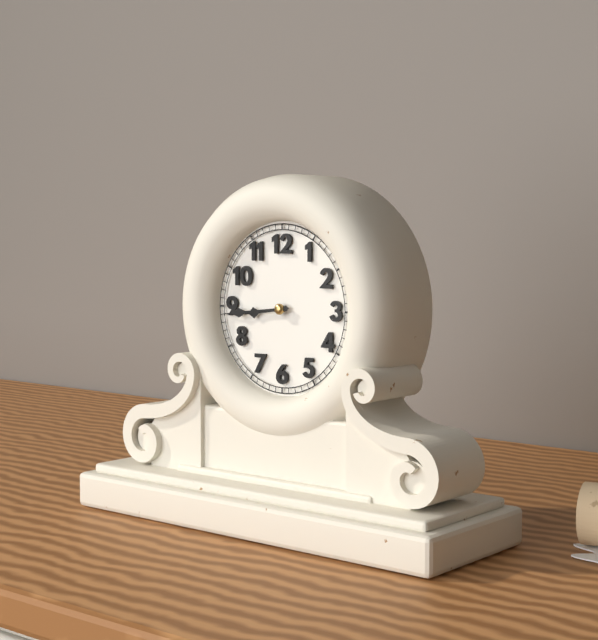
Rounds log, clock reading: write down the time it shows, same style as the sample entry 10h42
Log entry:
8h44
